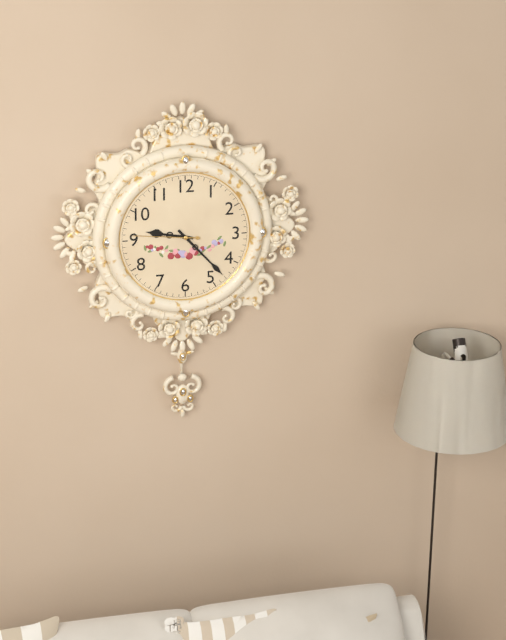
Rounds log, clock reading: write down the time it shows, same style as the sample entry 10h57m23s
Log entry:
9h23m46s
